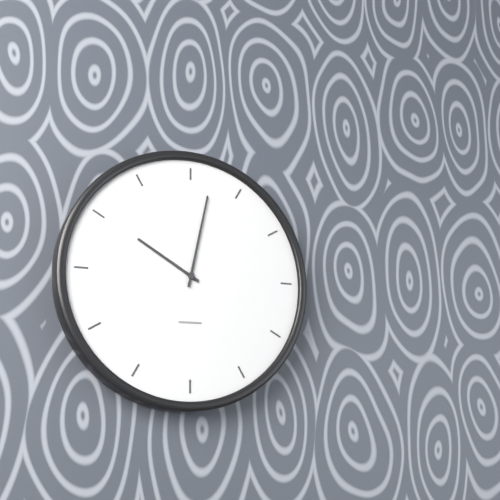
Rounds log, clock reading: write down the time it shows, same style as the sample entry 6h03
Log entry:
10h02
